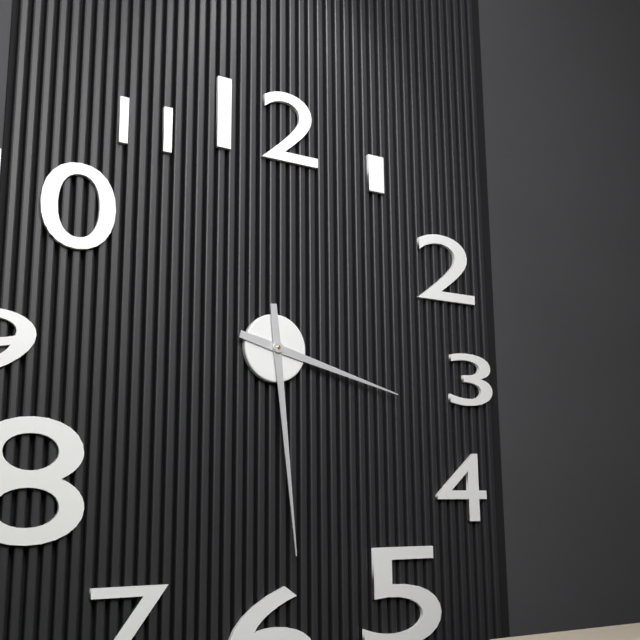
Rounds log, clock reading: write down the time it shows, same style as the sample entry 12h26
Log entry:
3h29
